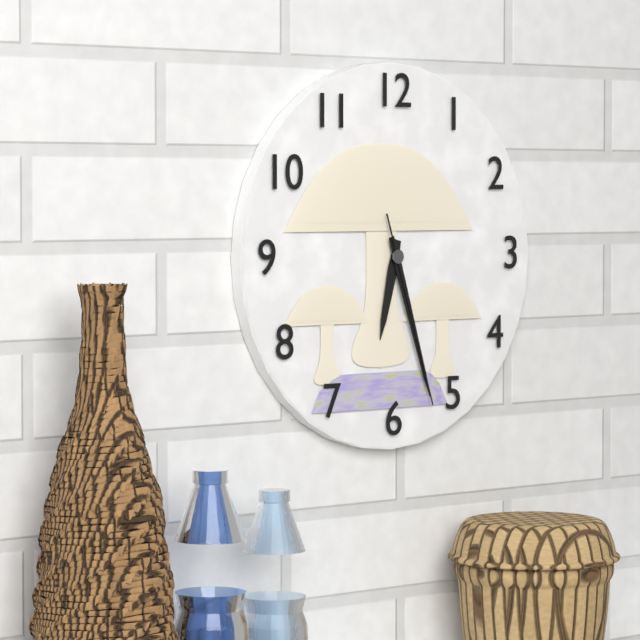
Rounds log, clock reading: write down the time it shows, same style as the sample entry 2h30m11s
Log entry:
6h27m27s
